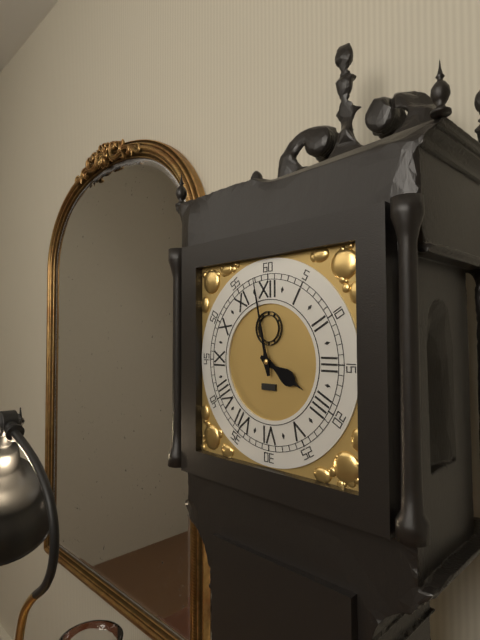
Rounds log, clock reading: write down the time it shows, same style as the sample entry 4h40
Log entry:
3h58
